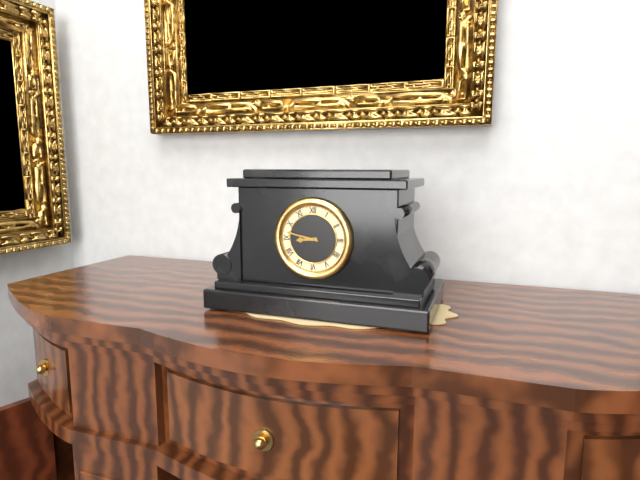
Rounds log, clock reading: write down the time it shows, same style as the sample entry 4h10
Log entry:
8h47
